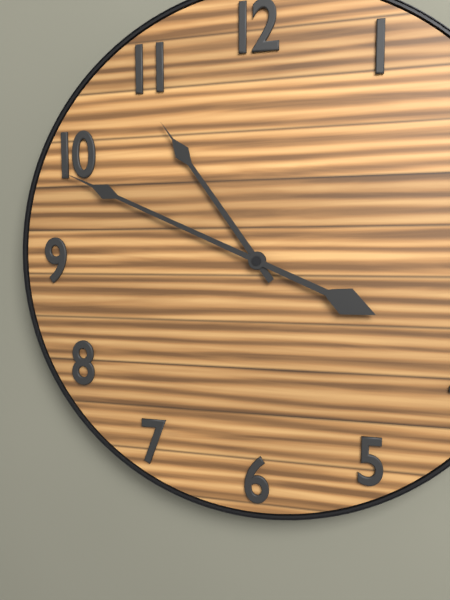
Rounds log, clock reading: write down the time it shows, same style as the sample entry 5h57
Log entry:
10h49
